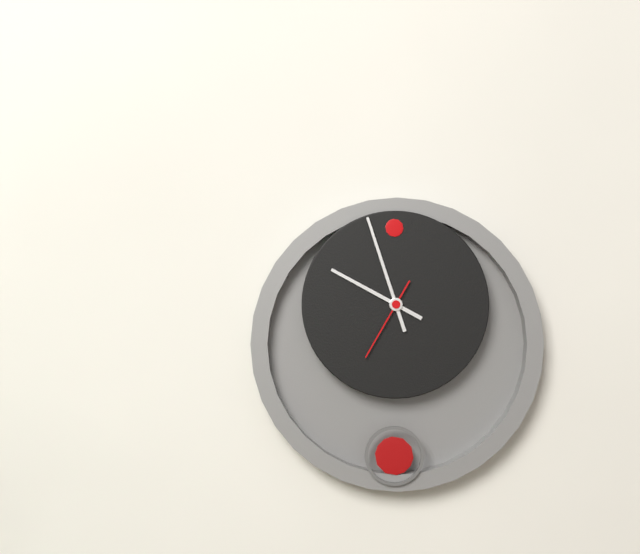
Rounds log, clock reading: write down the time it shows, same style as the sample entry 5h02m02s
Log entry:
9h57m35s
